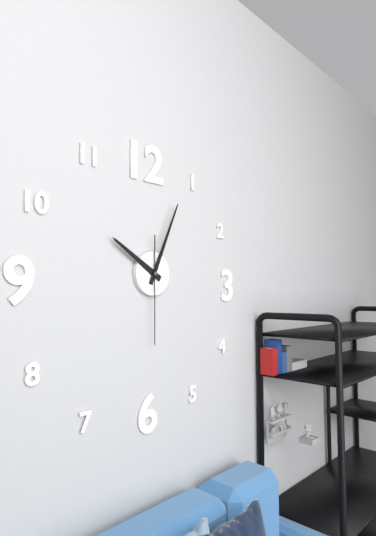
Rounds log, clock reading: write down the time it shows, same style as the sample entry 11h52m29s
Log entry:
10h04m30s
